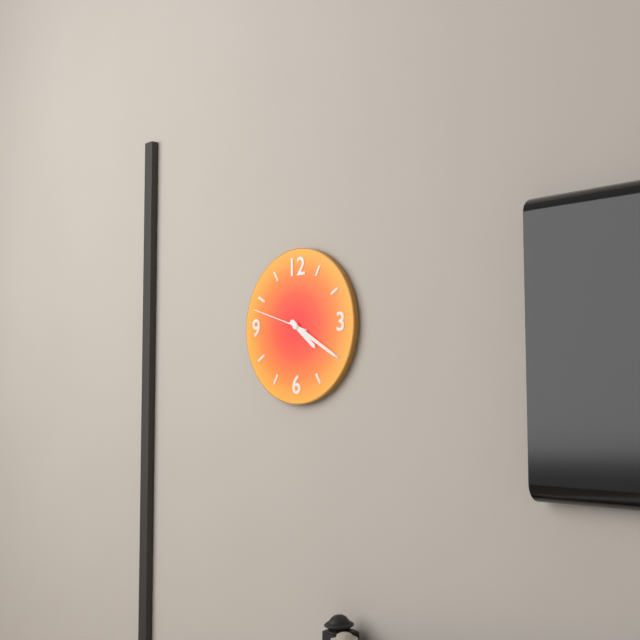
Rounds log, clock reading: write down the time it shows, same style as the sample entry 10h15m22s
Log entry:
4h20m48s
